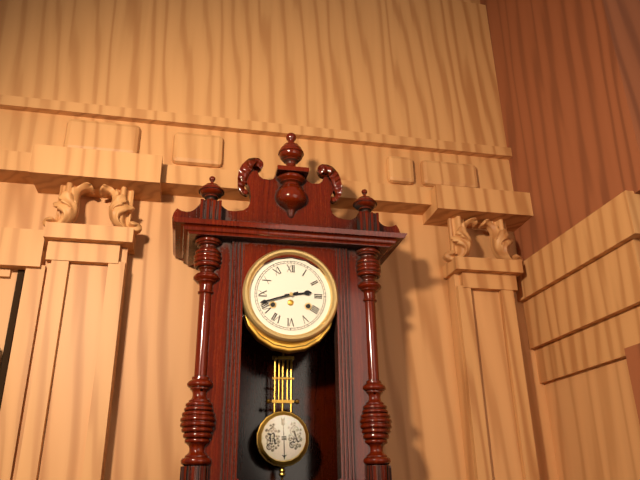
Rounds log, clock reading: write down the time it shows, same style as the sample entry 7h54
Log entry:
2h42
